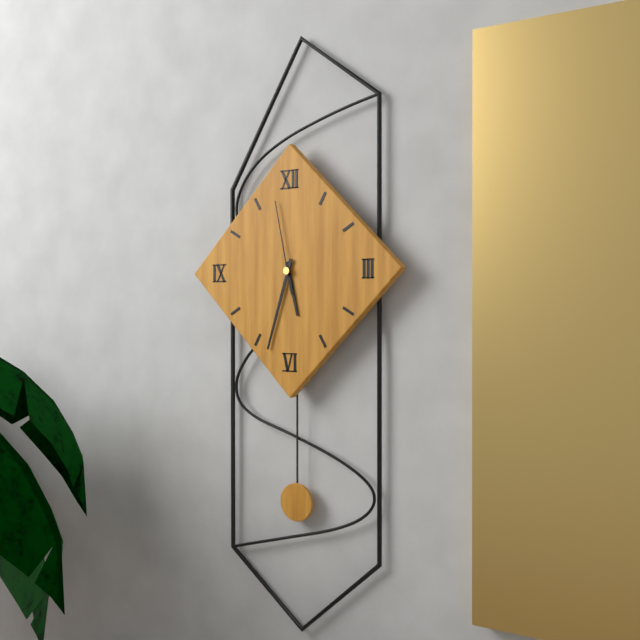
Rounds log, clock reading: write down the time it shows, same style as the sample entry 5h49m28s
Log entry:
5h33m58s
